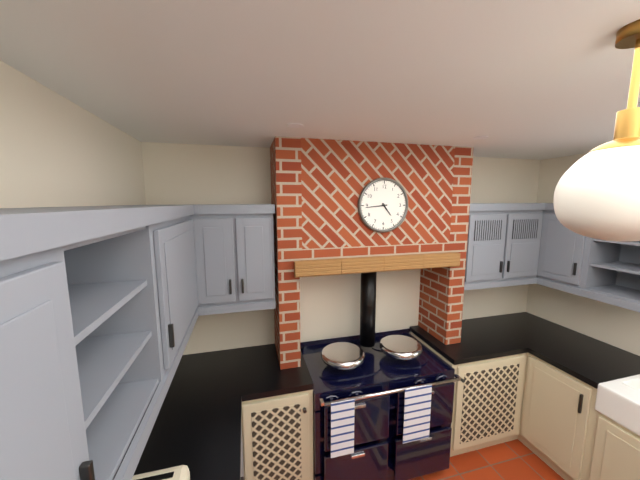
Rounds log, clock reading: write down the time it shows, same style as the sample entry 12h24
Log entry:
4h44
